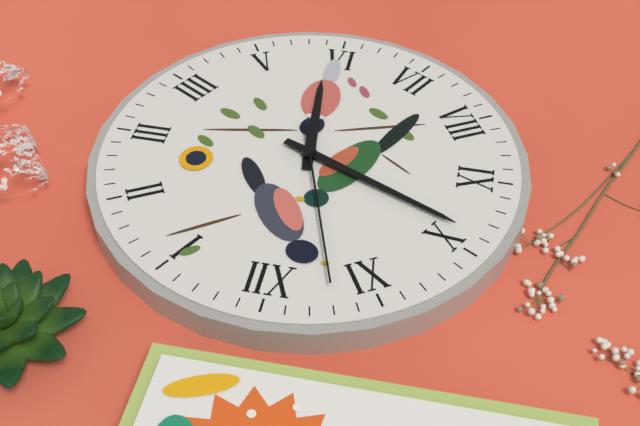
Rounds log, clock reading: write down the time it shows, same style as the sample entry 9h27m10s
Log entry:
5h49m57s
